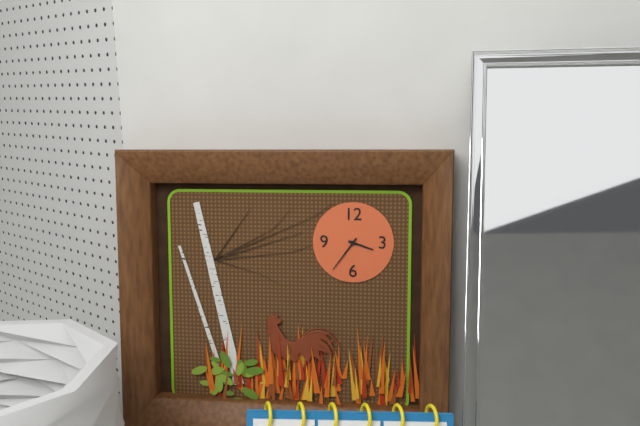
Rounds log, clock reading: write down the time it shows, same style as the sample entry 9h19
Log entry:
3h36
